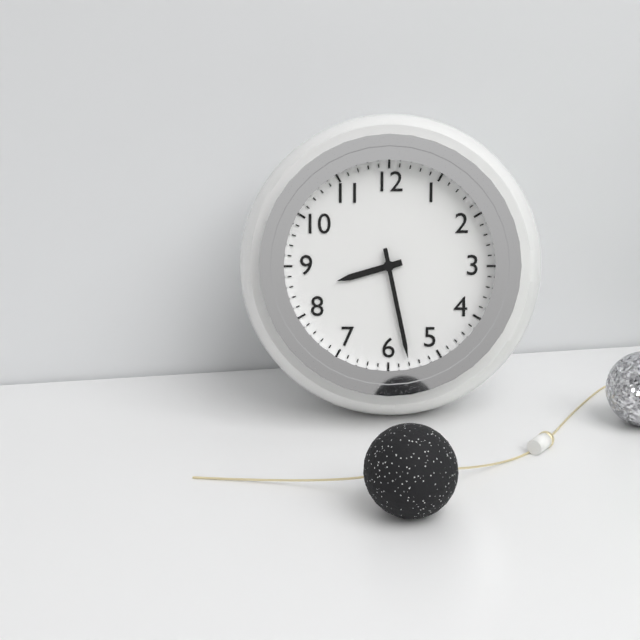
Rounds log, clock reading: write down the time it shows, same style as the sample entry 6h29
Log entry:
8h28
